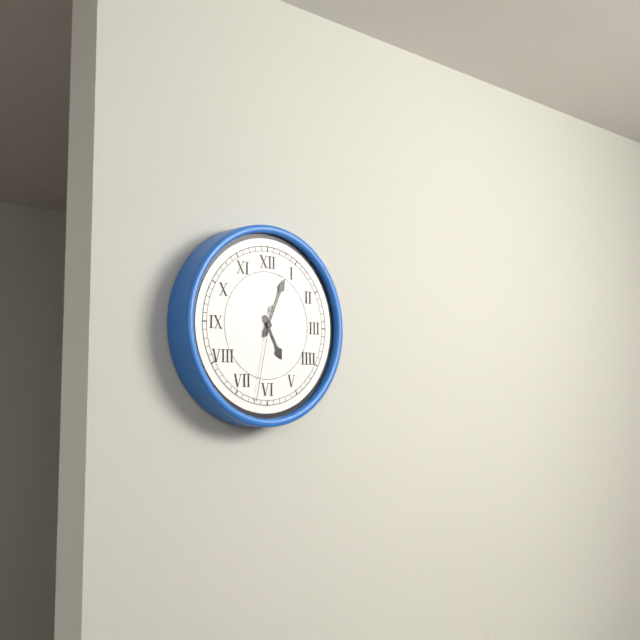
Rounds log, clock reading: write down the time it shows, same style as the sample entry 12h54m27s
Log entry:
5h04m32s
